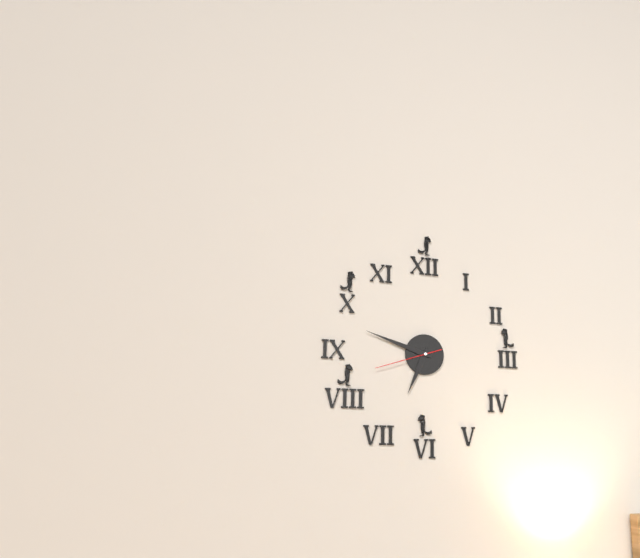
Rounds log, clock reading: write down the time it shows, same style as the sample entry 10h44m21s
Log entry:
6h48m42s
